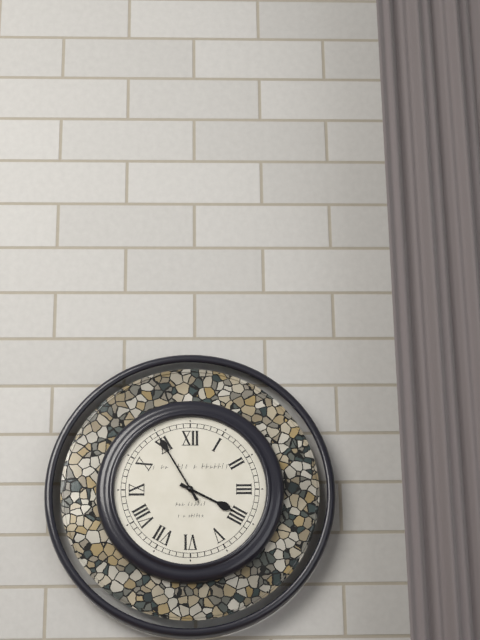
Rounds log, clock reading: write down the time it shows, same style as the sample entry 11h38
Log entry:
3h55
